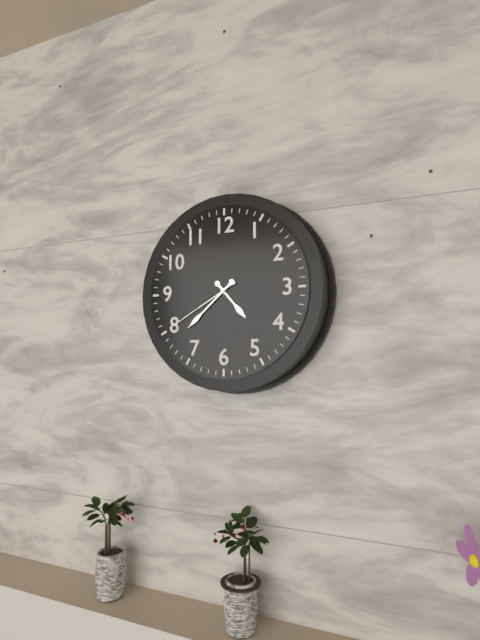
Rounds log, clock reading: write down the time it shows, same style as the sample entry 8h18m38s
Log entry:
4h38m40s
